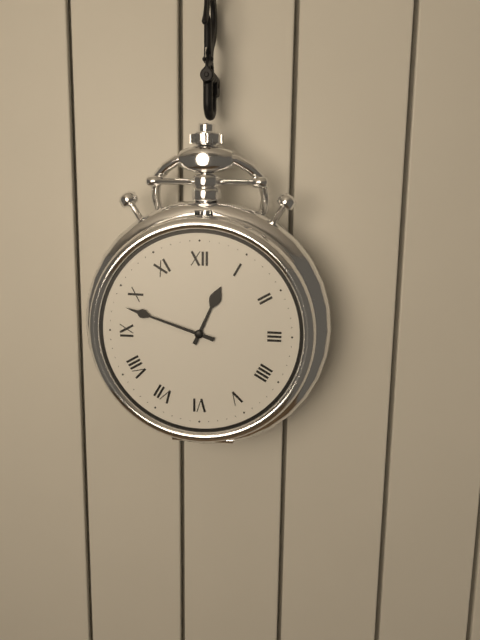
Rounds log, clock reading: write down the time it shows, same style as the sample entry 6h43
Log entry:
12h48
